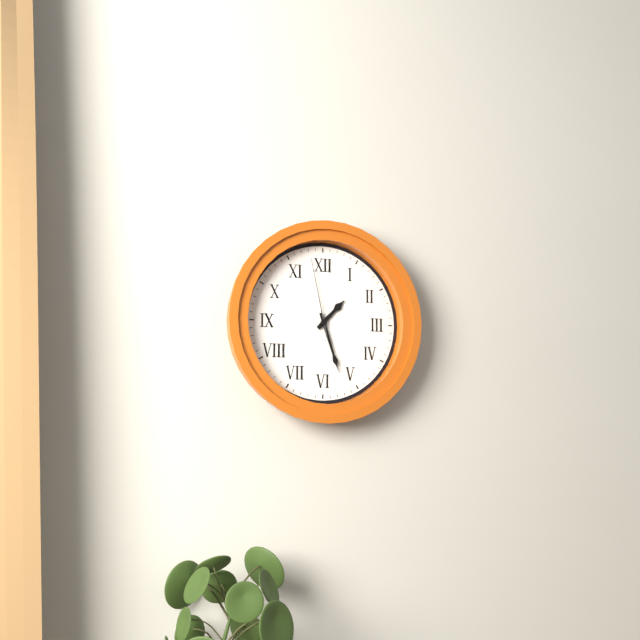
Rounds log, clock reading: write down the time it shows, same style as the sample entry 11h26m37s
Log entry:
1h27m58s
